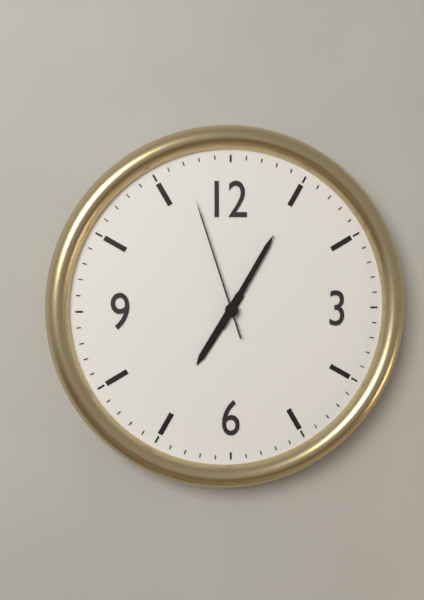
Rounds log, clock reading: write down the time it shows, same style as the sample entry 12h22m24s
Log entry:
7h05m57s
